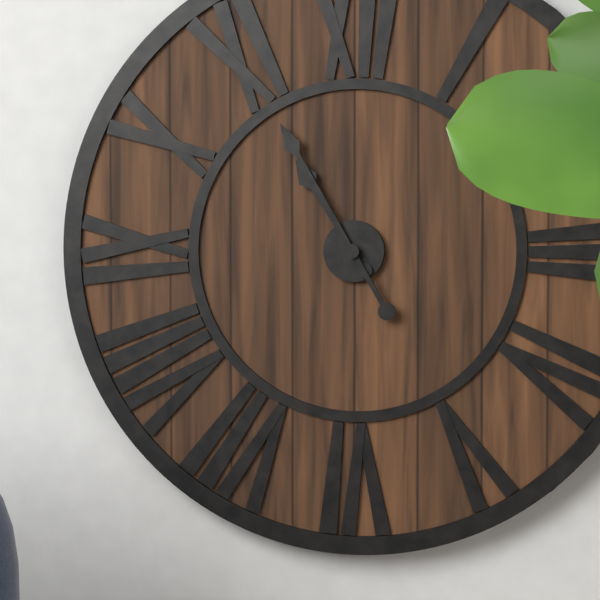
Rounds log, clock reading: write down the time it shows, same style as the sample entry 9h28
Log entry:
10h55
